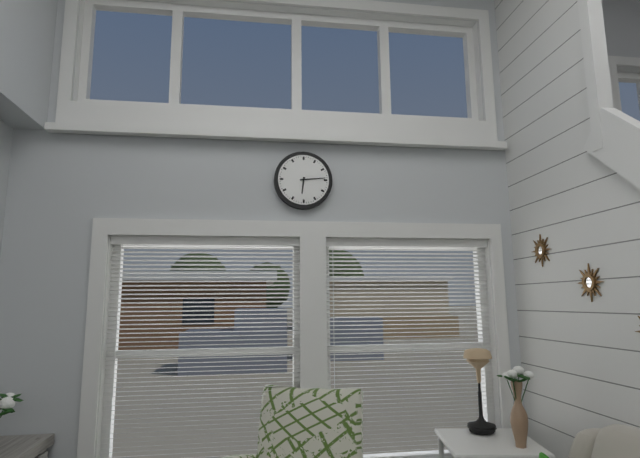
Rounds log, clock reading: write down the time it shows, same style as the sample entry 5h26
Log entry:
6h14
